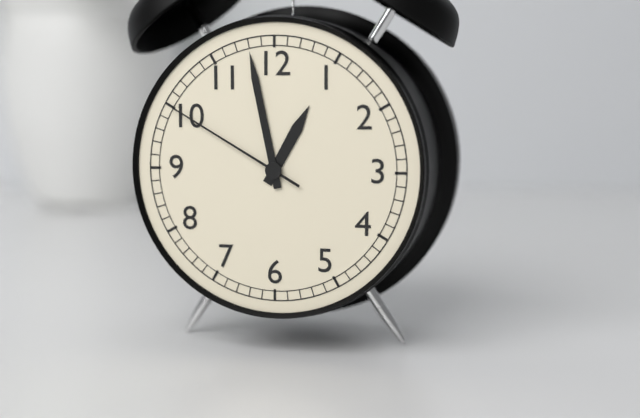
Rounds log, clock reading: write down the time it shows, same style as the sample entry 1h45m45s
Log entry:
12h58m50s
